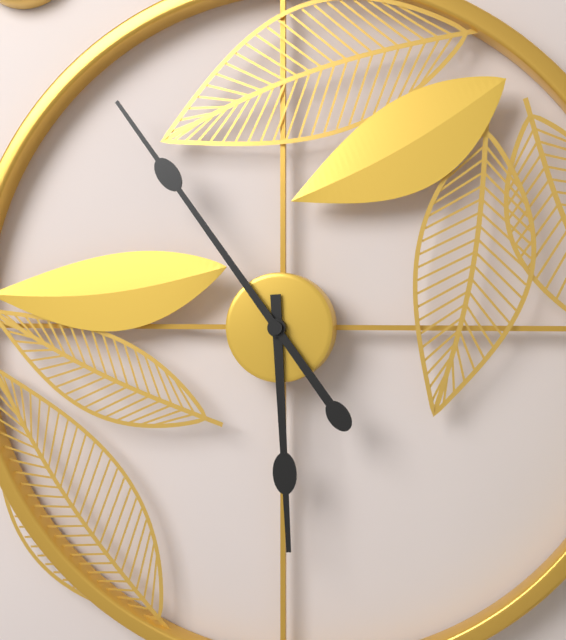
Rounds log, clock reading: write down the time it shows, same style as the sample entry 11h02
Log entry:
5h54
